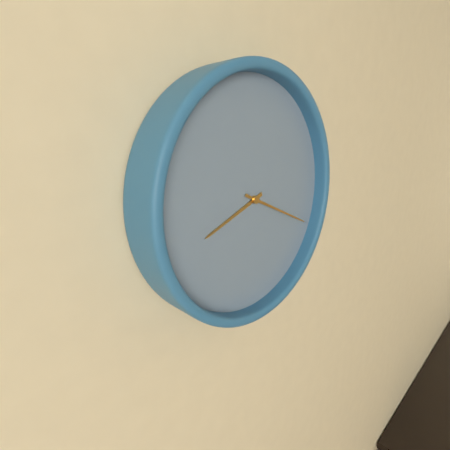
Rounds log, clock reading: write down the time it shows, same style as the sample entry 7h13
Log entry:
8h19
